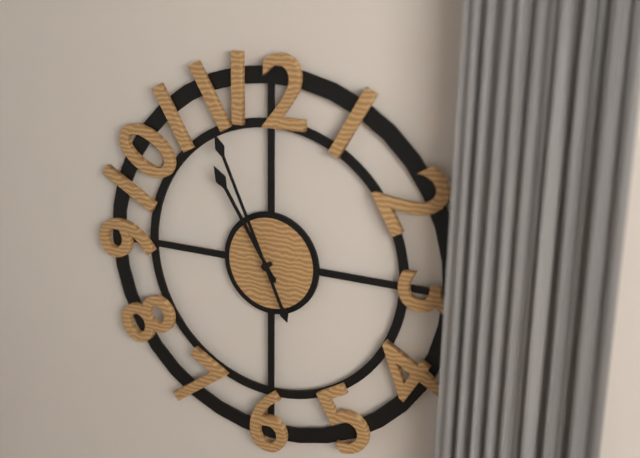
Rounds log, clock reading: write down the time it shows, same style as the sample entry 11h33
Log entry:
10h56
